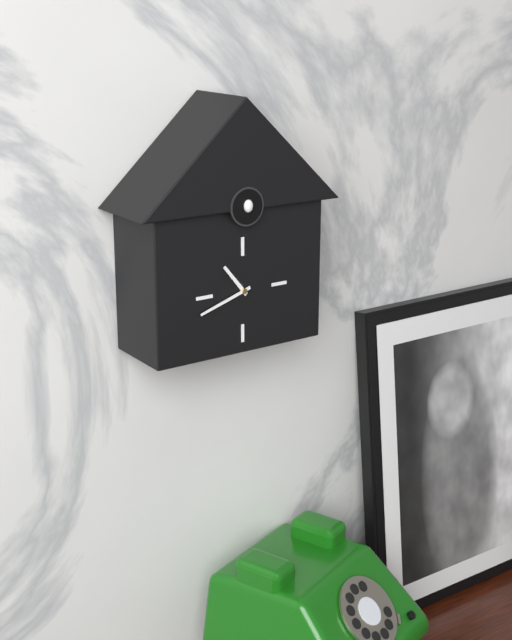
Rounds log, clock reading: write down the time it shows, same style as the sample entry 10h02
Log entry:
10h42
